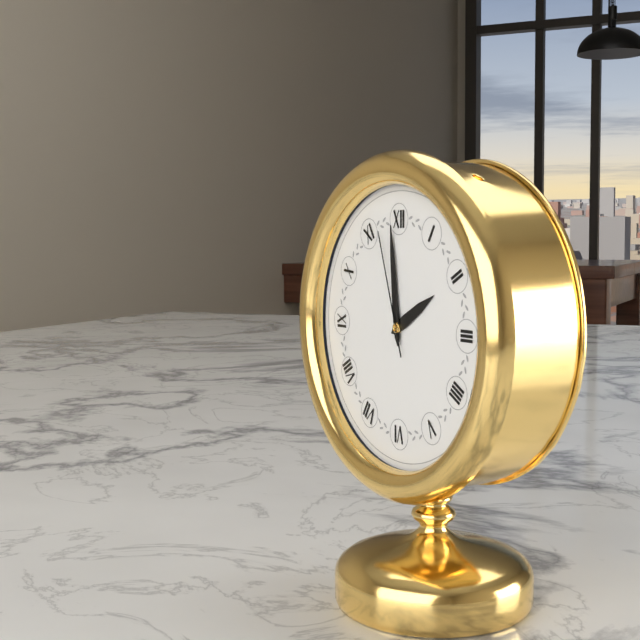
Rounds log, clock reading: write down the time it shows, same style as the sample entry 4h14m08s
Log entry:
1h59m57s
